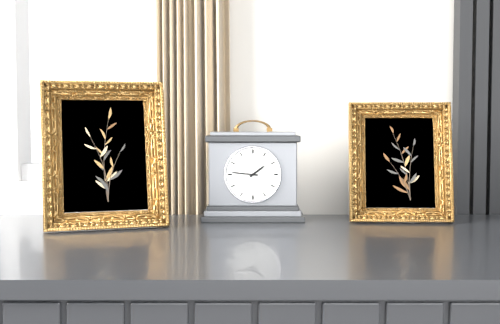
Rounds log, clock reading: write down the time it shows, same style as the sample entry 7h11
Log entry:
1h46
